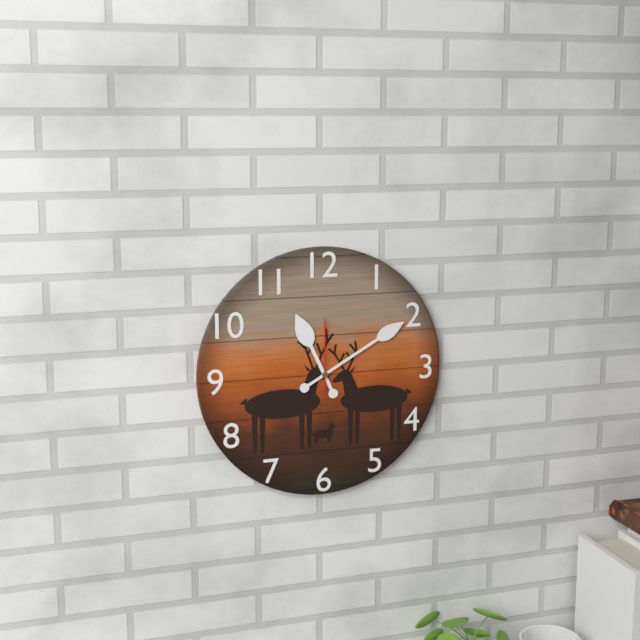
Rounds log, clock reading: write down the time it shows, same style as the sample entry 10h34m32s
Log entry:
11h10m00s
